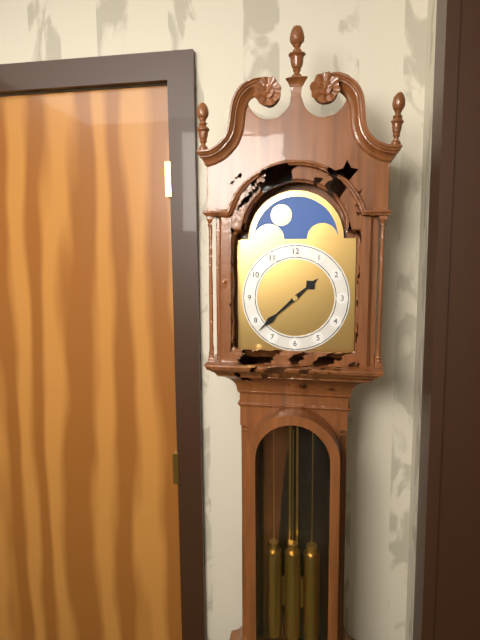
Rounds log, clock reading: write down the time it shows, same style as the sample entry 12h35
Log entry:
1h38
